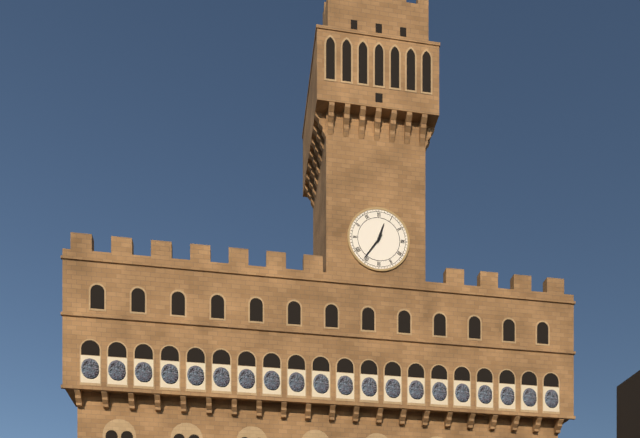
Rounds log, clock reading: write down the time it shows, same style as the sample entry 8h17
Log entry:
12h36
